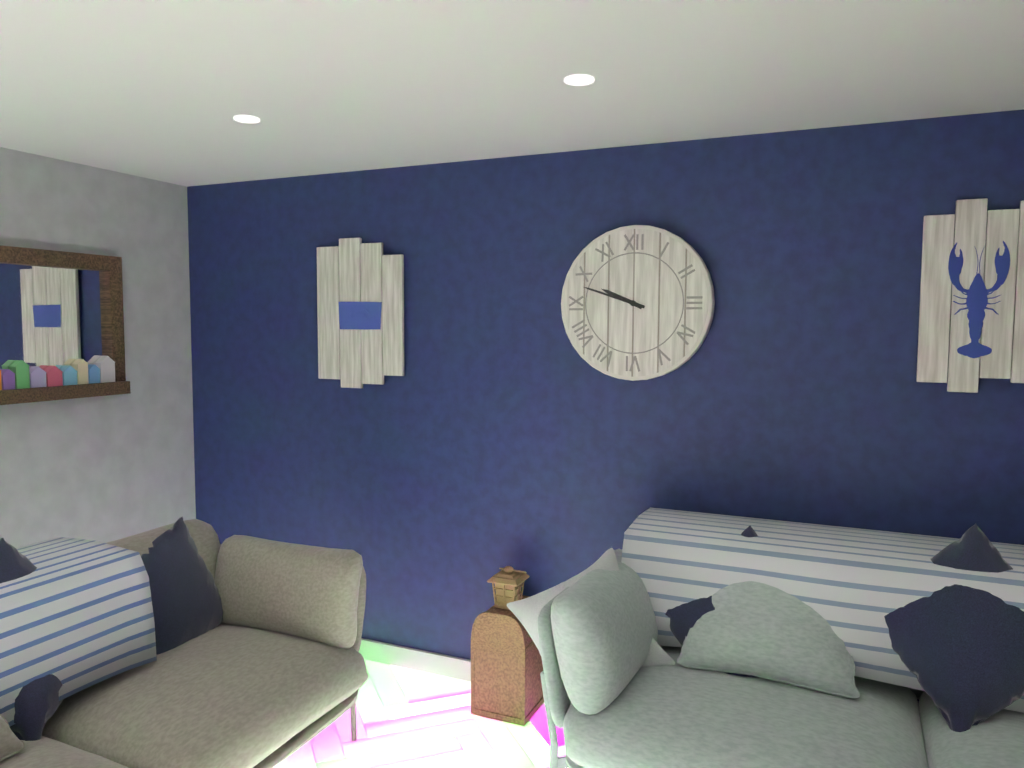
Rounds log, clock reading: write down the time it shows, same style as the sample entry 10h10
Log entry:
9h48
